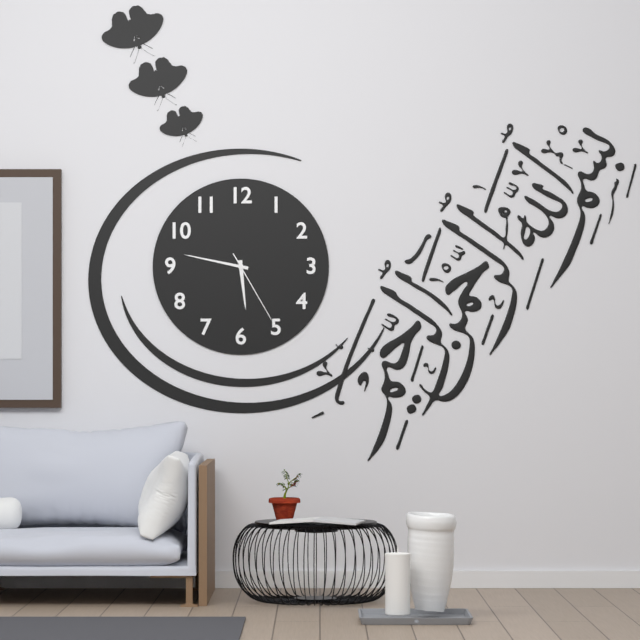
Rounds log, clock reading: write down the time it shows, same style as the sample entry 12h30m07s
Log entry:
5h47m25s
